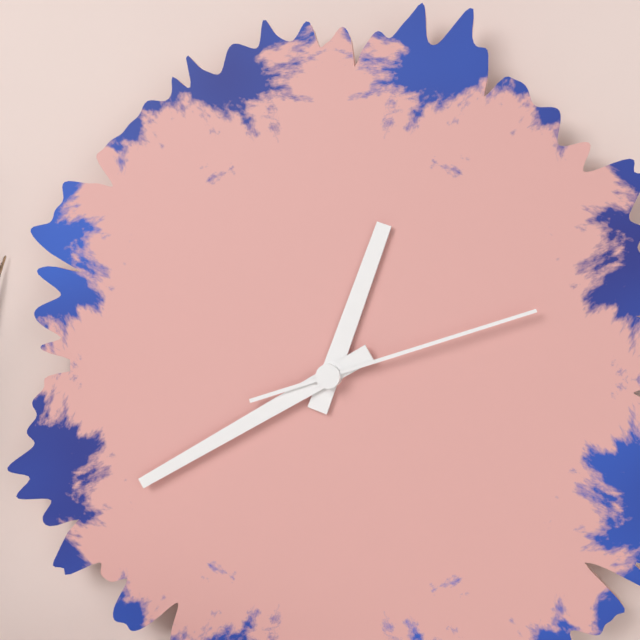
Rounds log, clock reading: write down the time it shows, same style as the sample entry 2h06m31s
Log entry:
12h40m12s
